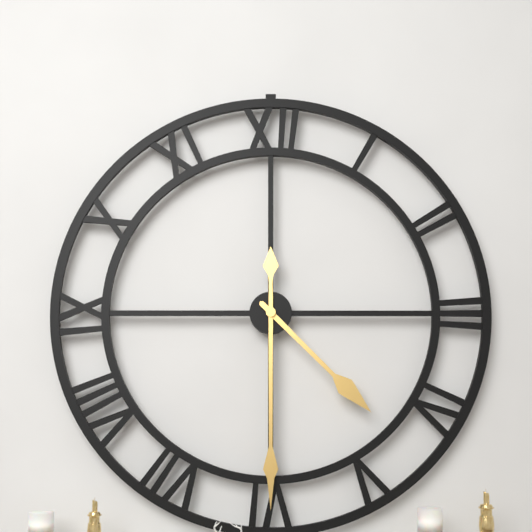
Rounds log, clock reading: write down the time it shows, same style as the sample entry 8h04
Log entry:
4h30
